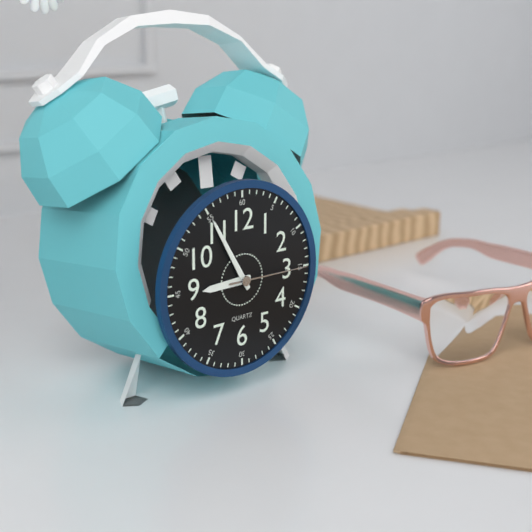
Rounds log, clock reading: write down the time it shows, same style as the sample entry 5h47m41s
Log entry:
8h55m15s
